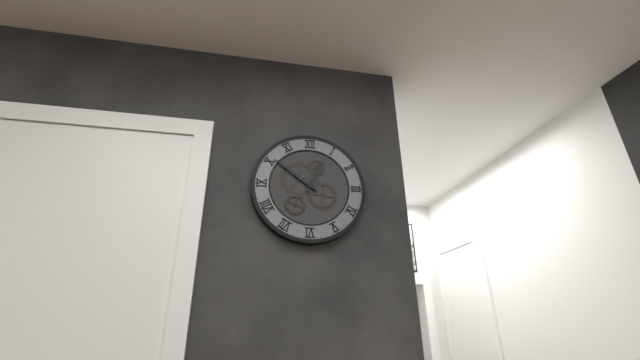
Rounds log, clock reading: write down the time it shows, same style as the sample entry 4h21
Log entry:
12h51
